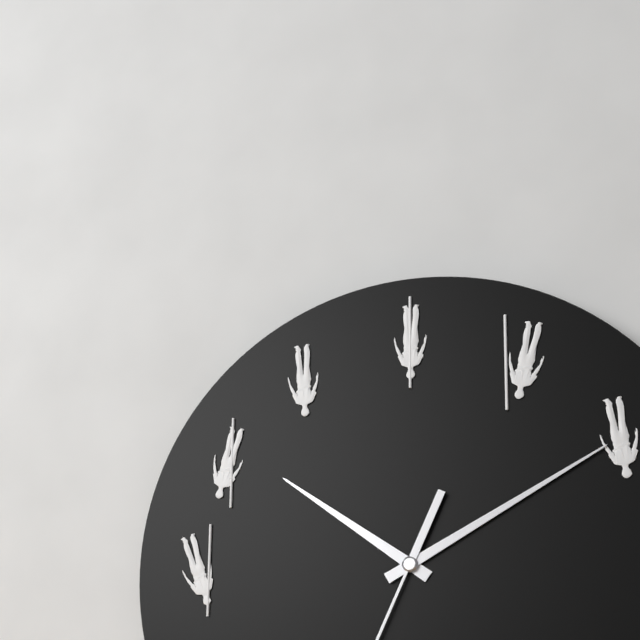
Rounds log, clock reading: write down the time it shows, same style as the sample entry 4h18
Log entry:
10h10
